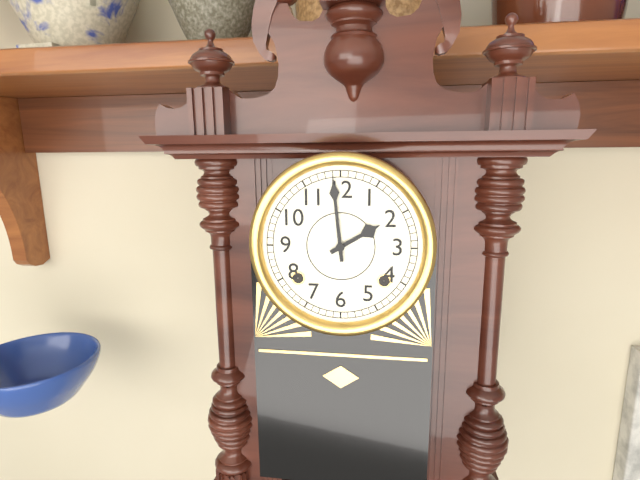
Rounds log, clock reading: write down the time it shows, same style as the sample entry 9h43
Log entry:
1h59
